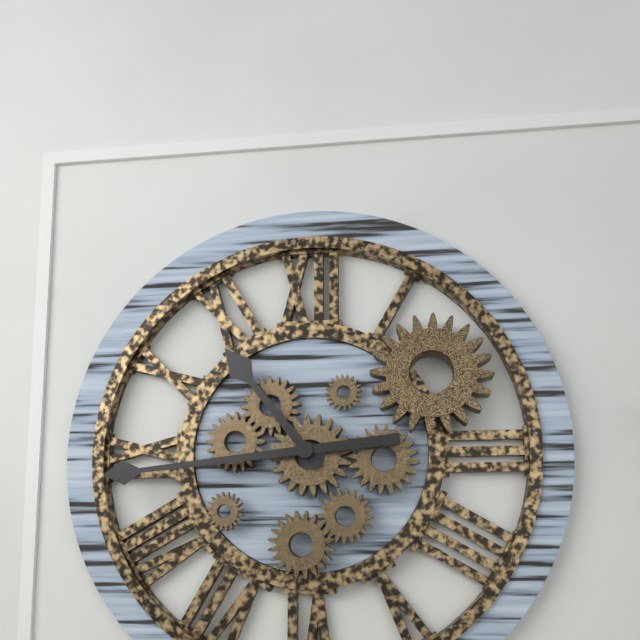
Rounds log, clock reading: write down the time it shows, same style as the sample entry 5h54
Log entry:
10h44
